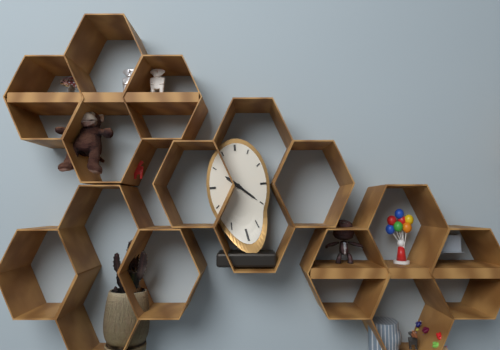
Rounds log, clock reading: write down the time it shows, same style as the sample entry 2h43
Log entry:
10h22
